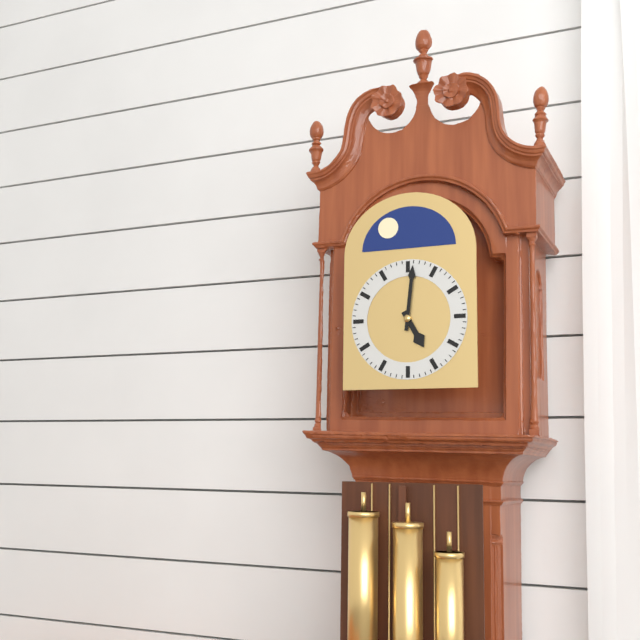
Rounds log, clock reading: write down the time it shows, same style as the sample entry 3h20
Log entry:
5h01
